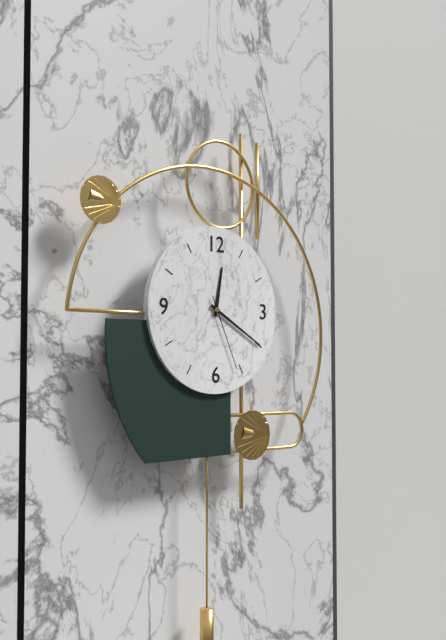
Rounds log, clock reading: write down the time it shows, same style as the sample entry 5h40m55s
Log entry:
12h20m26s
